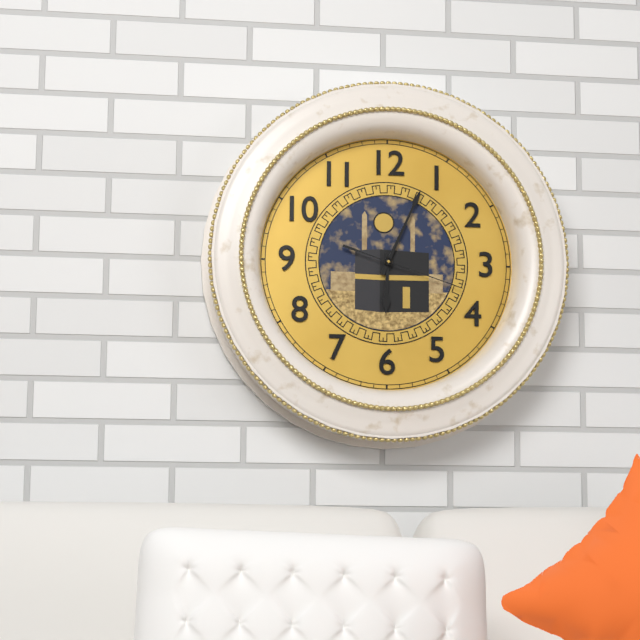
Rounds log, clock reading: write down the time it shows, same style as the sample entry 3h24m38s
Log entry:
6h04m18s
